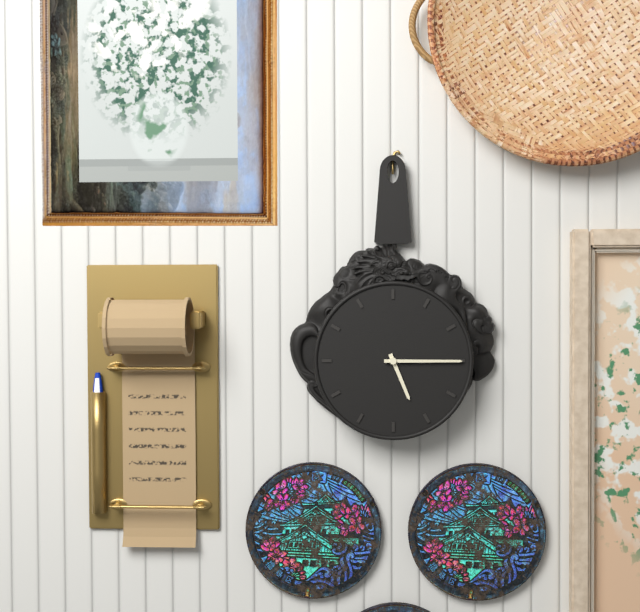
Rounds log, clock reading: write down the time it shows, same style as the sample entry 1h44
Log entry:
5h15
